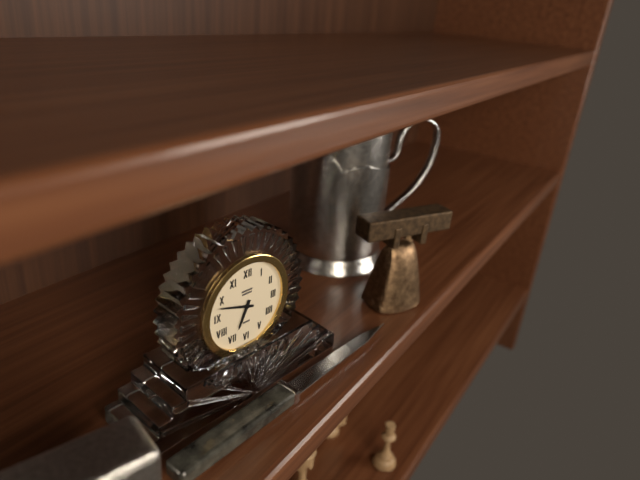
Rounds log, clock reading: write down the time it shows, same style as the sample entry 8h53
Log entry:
6h48
